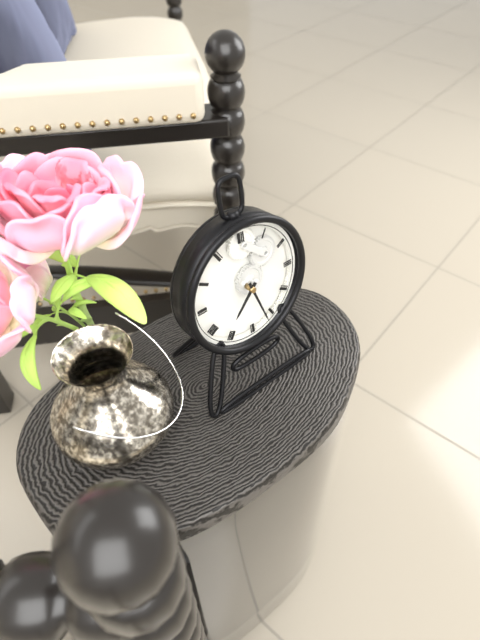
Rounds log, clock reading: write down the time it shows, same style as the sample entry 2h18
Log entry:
7h27
